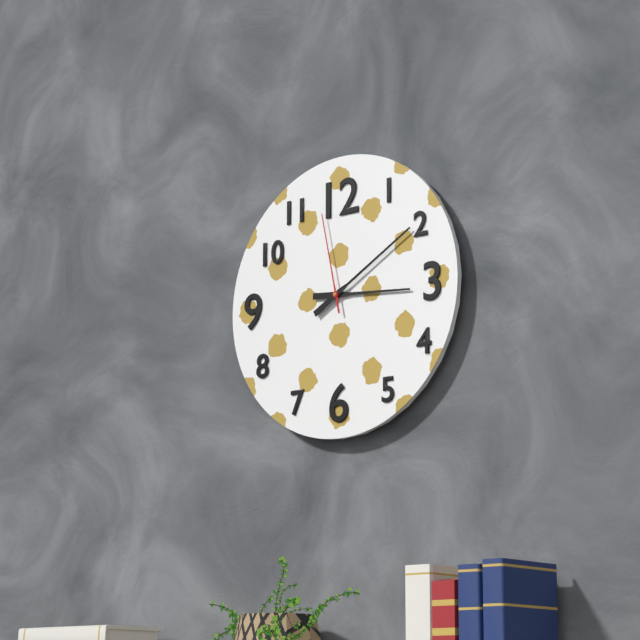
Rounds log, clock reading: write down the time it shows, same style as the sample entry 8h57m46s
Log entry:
3h10m58s
